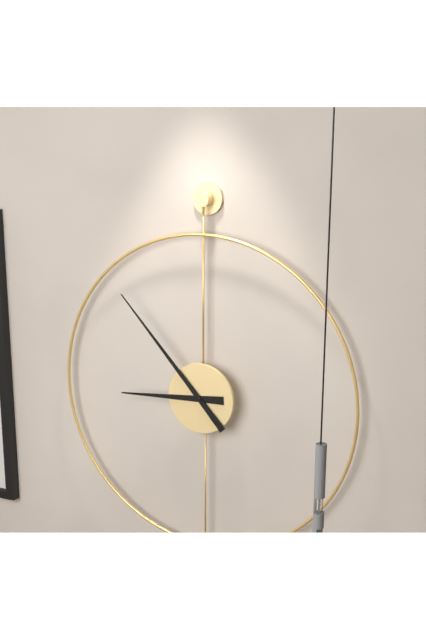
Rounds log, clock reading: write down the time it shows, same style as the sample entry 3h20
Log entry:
8h53
